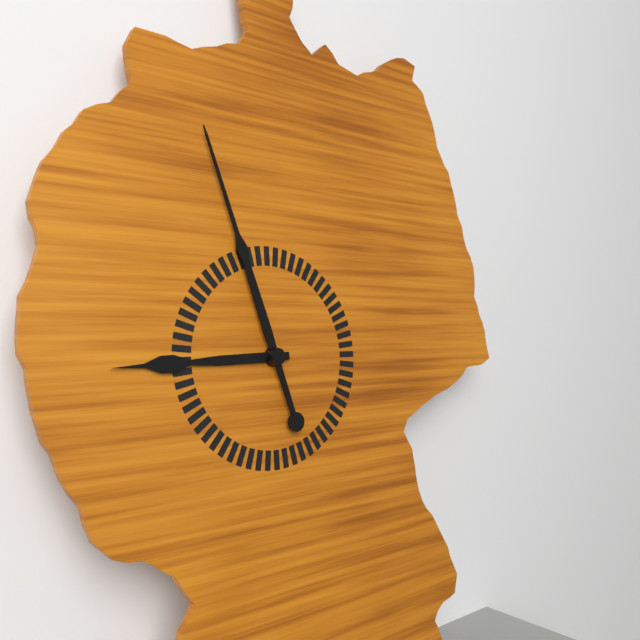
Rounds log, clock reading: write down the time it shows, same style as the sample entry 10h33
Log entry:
8h57
